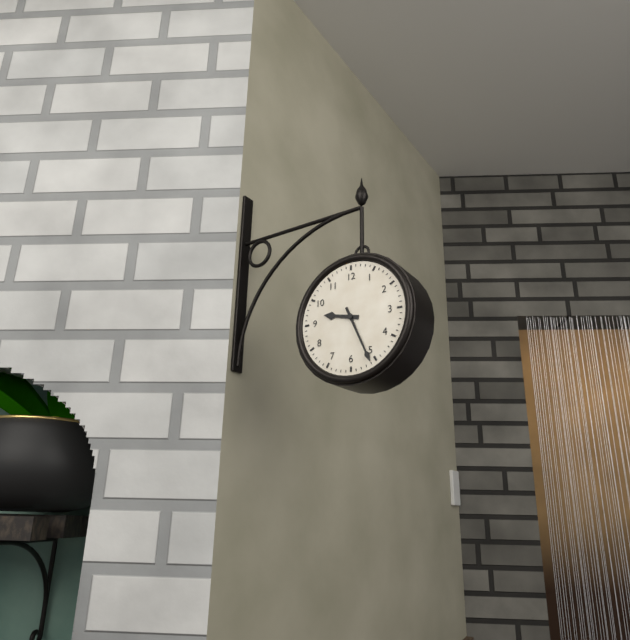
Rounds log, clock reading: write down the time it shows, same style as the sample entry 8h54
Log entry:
9h26
